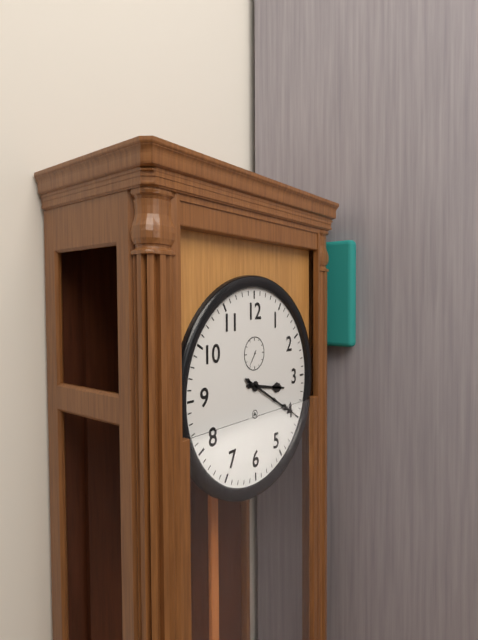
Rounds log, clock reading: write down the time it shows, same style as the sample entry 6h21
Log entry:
3h20
